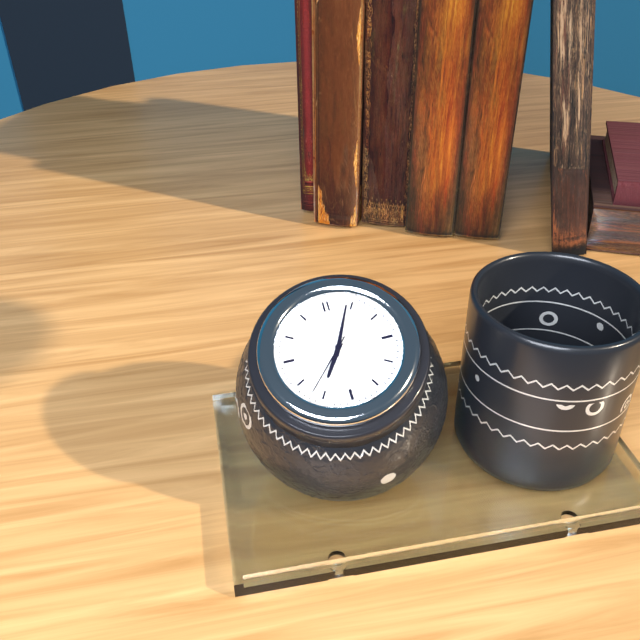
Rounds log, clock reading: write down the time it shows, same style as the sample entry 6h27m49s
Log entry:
7h04m37s
